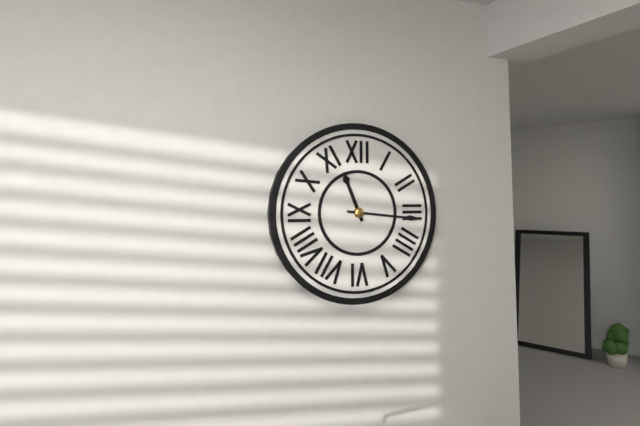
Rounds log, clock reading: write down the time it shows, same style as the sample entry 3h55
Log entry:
11h16
